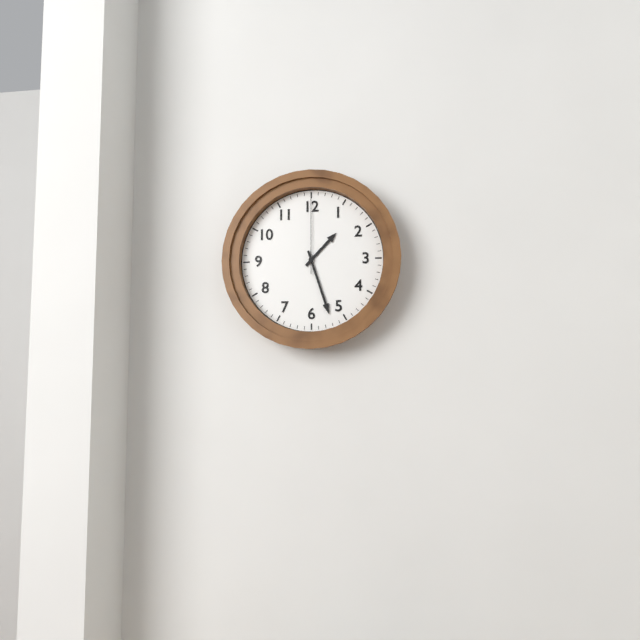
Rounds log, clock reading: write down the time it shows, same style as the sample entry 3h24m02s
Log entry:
1h27m00s
